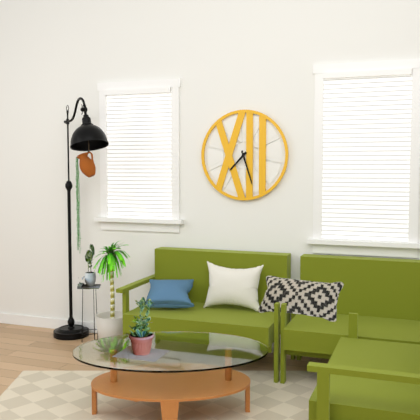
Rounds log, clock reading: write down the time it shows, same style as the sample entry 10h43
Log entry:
7h27
